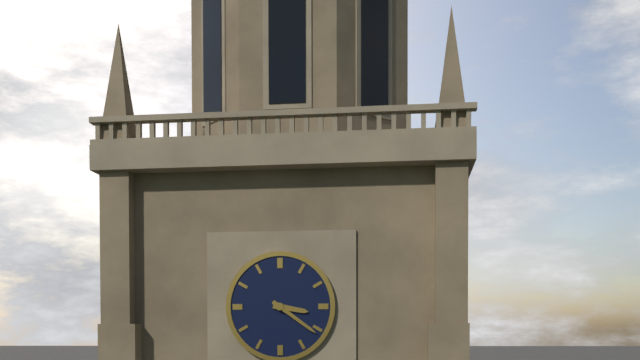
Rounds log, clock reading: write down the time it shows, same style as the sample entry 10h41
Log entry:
3h21
